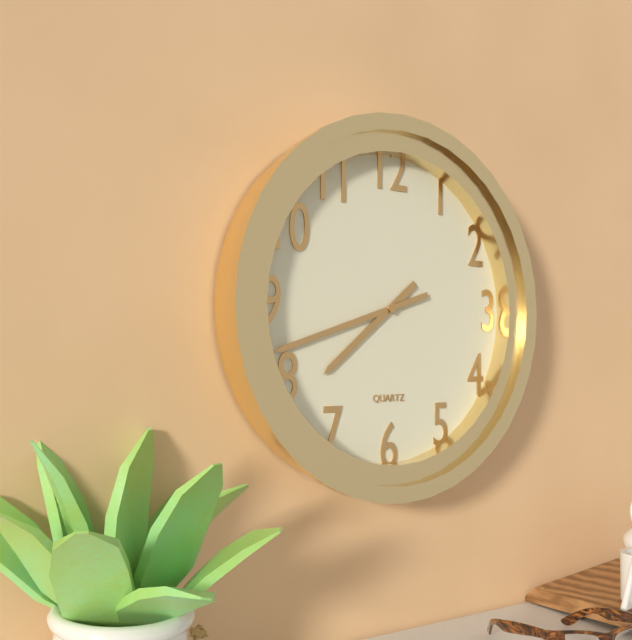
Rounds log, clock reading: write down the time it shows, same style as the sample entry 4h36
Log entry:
7h42
